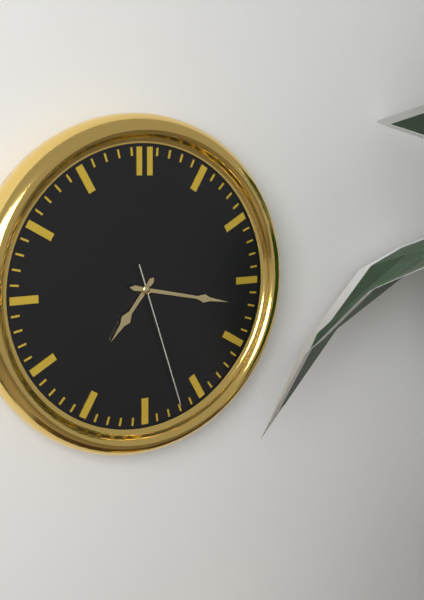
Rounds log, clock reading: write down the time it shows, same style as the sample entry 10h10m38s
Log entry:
7h17m27s
